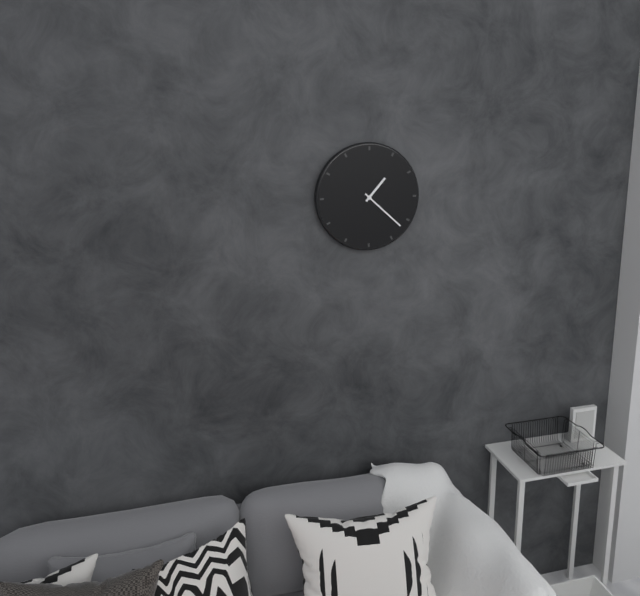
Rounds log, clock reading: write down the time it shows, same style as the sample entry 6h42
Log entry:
1h22
